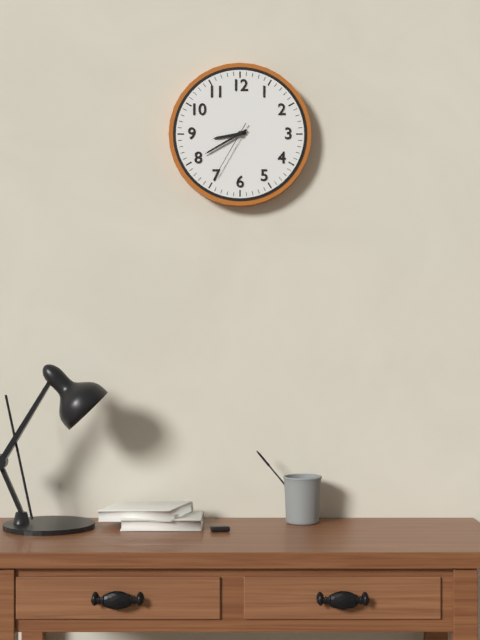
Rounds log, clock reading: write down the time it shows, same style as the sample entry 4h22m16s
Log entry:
8h40m35s
